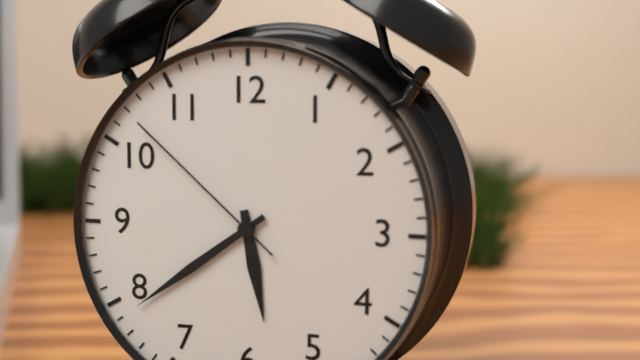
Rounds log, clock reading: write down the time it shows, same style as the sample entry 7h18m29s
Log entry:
5h39m52s
